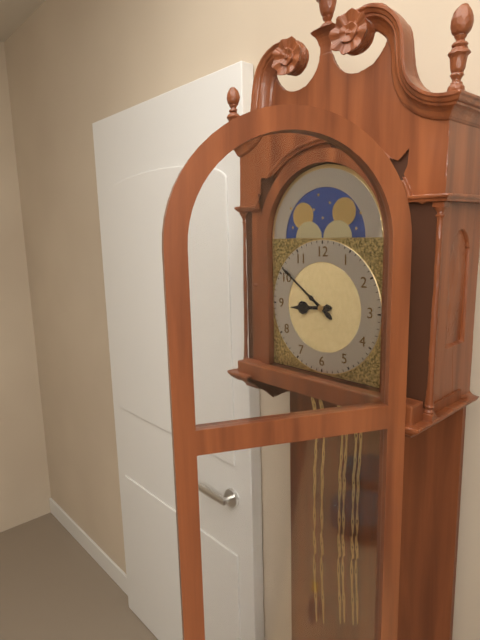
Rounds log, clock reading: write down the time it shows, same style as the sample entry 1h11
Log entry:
8h51
